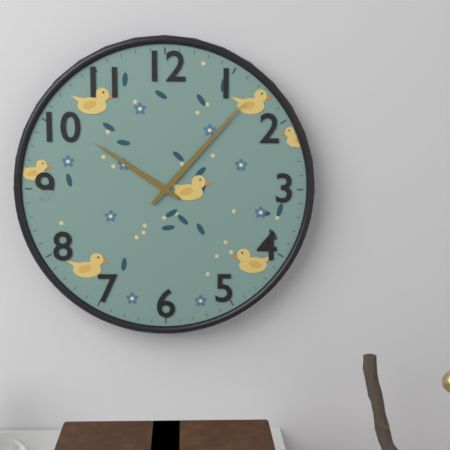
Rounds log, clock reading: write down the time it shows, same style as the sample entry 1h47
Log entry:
10h07
